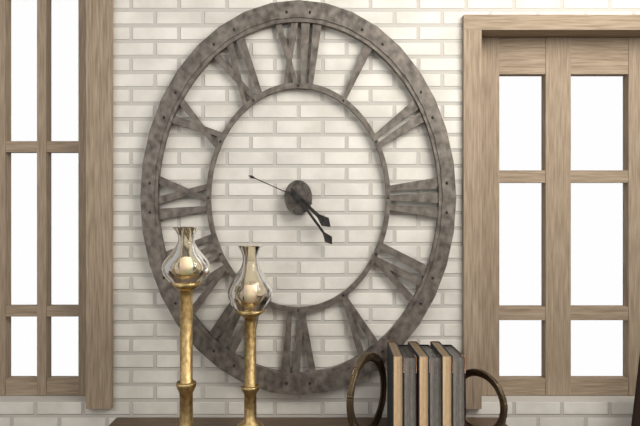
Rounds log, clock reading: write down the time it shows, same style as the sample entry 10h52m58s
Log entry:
4h24m49s
